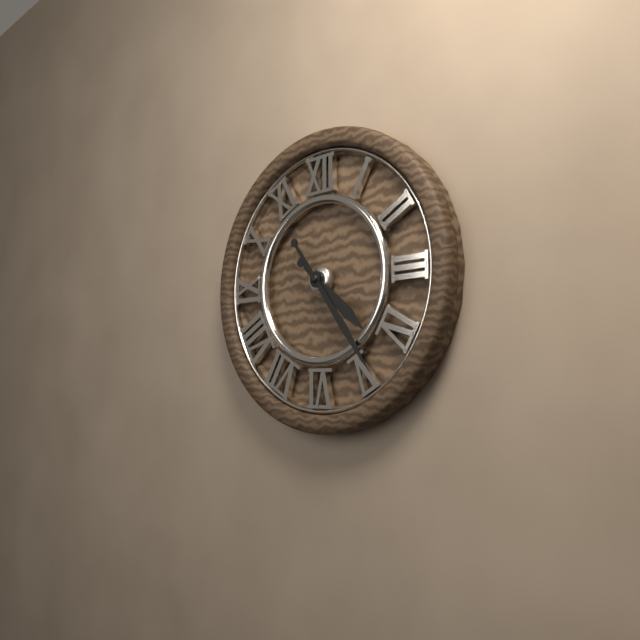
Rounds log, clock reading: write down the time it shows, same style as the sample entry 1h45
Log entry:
4h24
